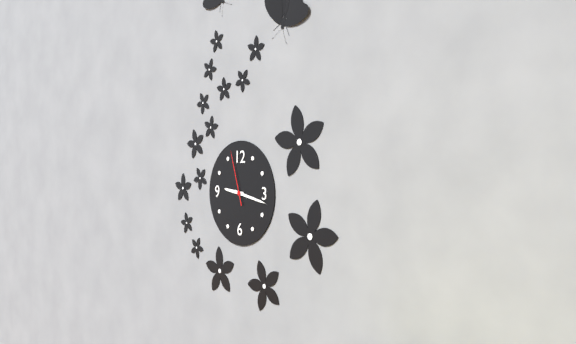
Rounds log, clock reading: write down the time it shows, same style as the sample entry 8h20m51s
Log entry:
9h17m57s
